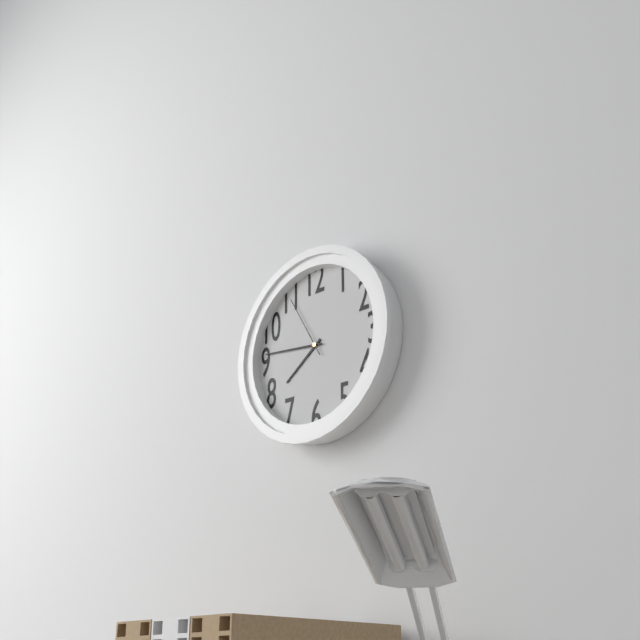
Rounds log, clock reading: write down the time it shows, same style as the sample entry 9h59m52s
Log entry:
7h46m55s
